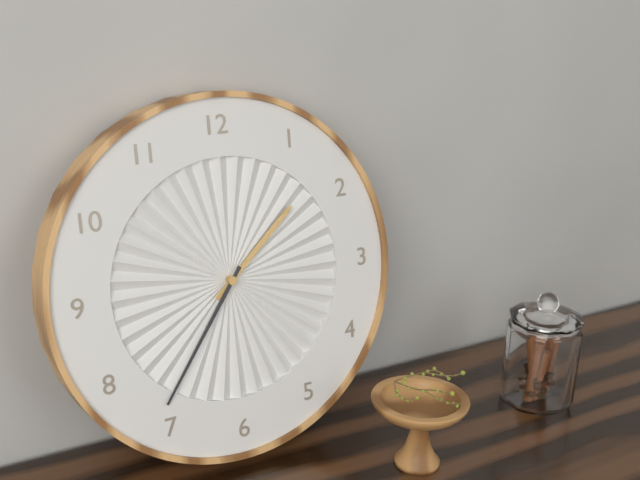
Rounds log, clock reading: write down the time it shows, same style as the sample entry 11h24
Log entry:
1h36
